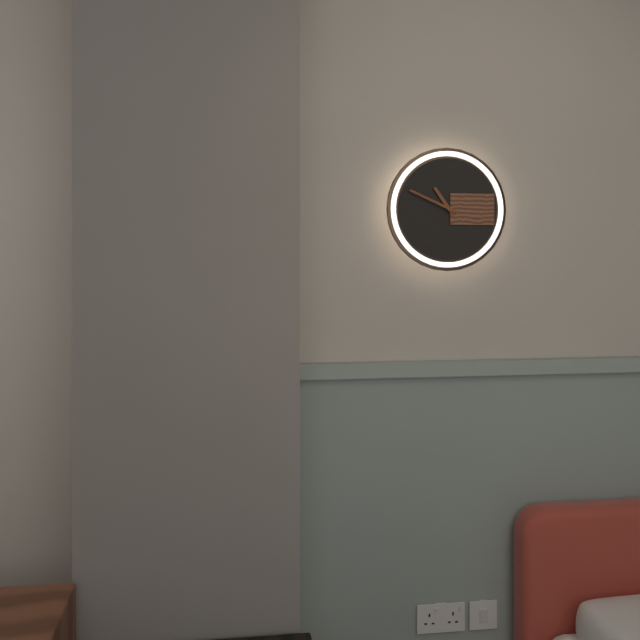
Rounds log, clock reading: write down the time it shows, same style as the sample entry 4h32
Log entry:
10h49
